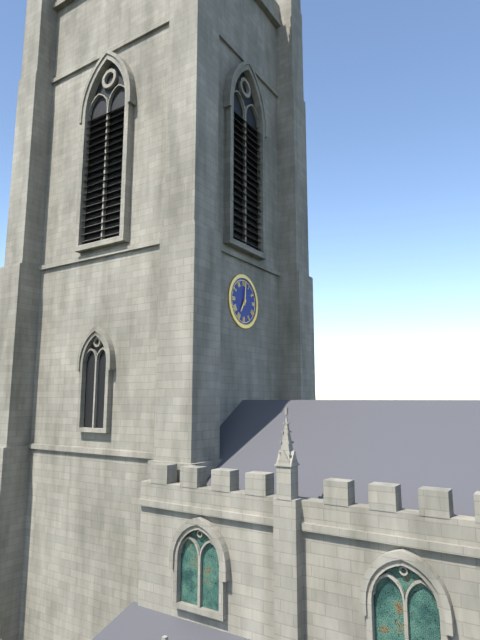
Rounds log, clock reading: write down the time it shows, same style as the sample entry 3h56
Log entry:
7h01
